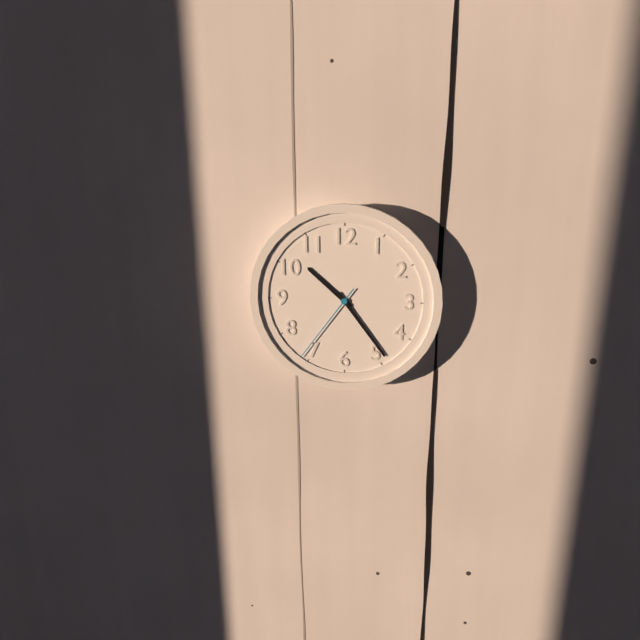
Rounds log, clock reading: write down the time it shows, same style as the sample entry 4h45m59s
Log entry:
10h24m36s
